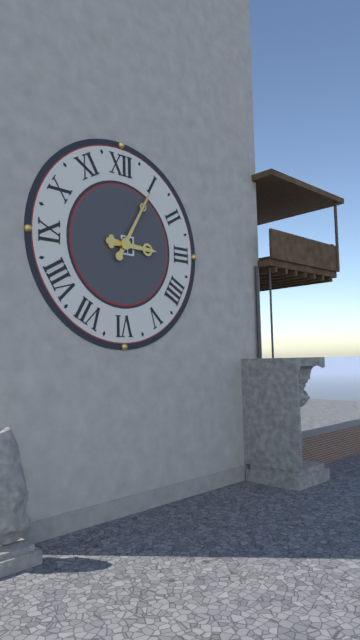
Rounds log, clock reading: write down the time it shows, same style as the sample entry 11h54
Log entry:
3h05
